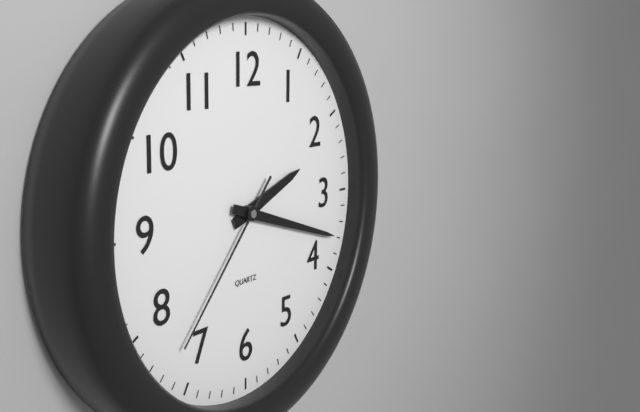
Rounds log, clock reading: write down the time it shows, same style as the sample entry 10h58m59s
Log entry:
2h18m37s
